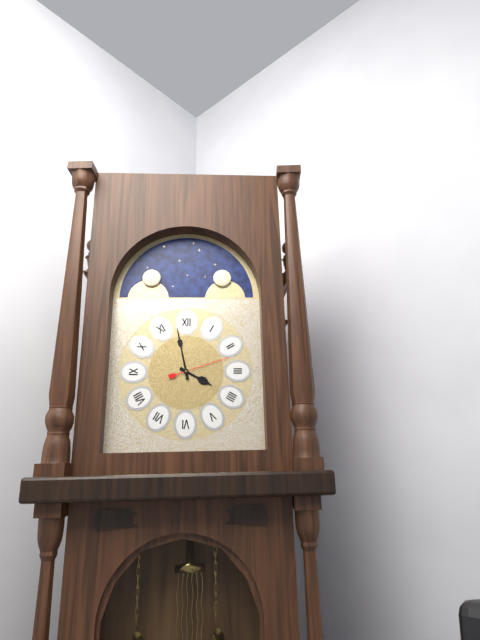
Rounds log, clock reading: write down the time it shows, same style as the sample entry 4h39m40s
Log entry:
3h58m12s
